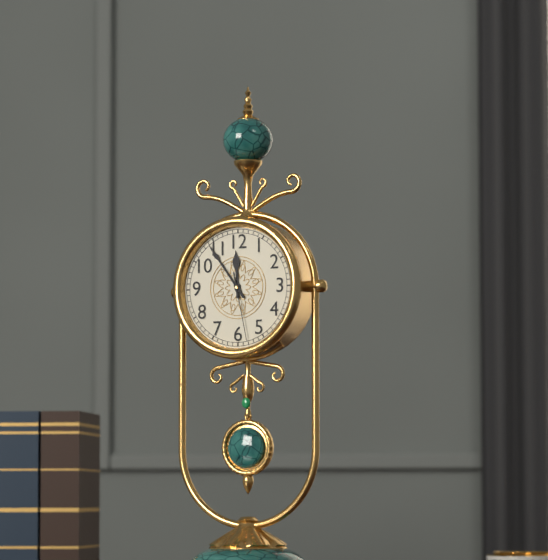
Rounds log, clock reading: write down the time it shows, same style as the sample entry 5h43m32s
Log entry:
11h54m28s
